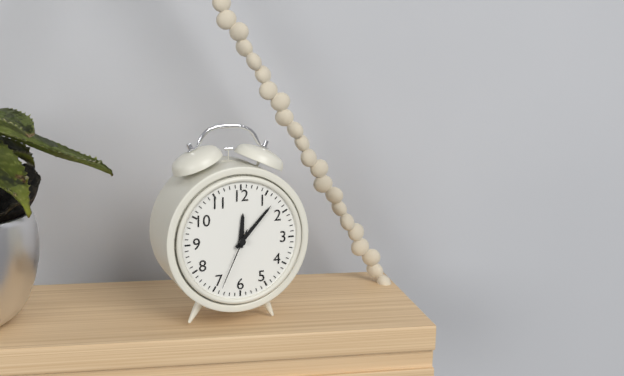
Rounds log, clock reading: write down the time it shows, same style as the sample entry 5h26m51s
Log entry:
12h07m34s
